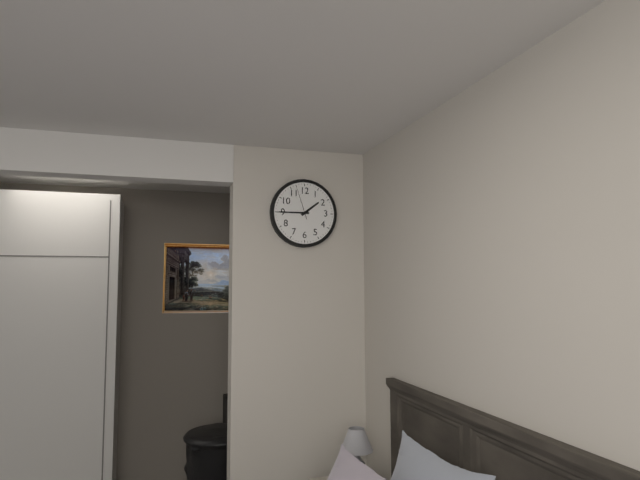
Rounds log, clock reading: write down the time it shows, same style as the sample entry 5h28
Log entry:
1h45
